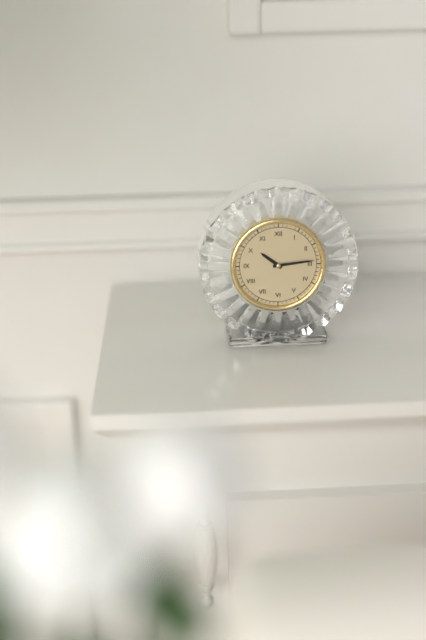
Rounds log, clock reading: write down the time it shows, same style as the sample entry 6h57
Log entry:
10h14
